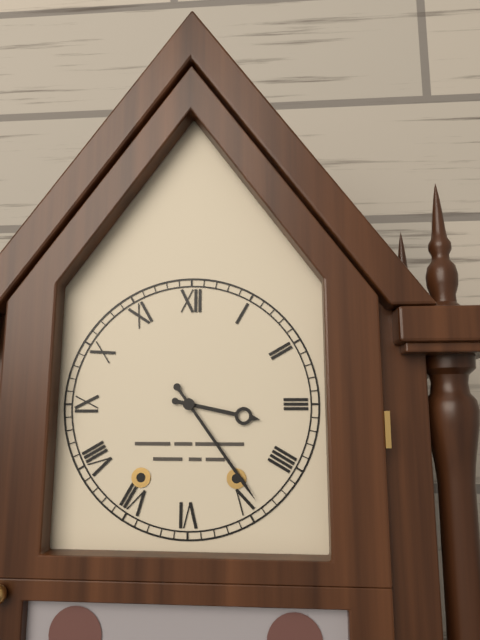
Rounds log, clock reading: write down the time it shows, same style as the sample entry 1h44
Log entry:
3h24
